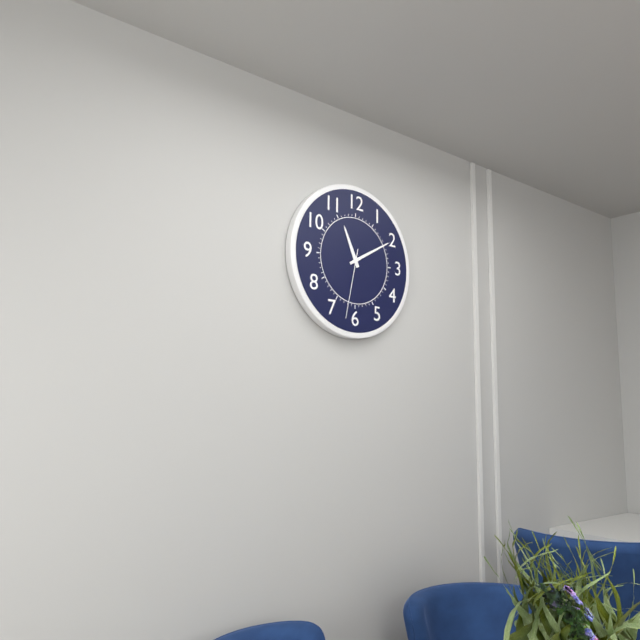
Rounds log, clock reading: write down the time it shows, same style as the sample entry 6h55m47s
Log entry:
11h10m32s
